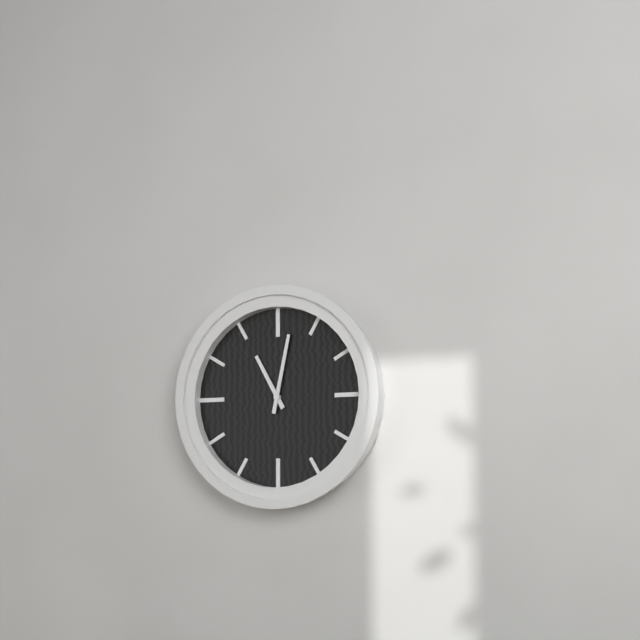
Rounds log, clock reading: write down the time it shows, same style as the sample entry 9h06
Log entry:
11h02
